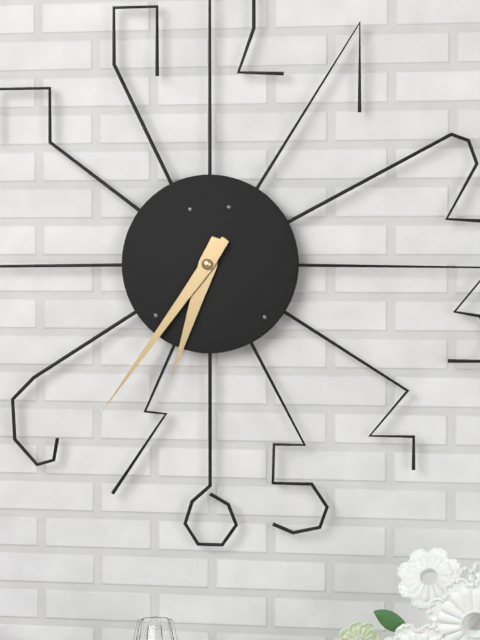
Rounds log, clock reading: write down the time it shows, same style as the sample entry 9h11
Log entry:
6h36
